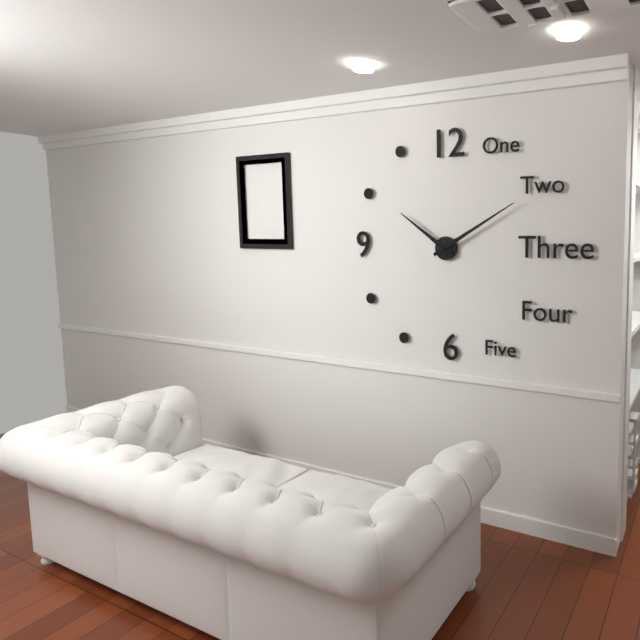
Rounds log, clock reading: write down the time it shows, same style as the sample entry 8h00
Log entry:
10h10
